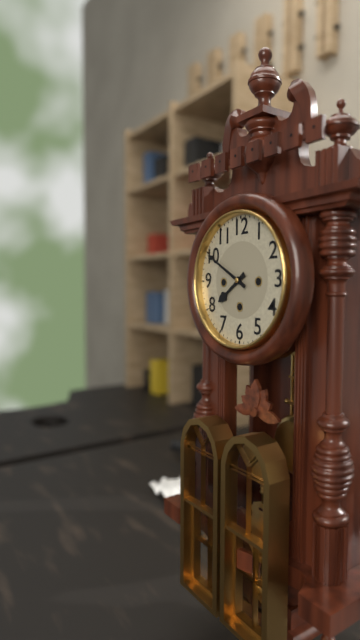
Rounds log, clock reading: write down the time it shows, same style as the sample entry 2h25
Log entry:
7h50
